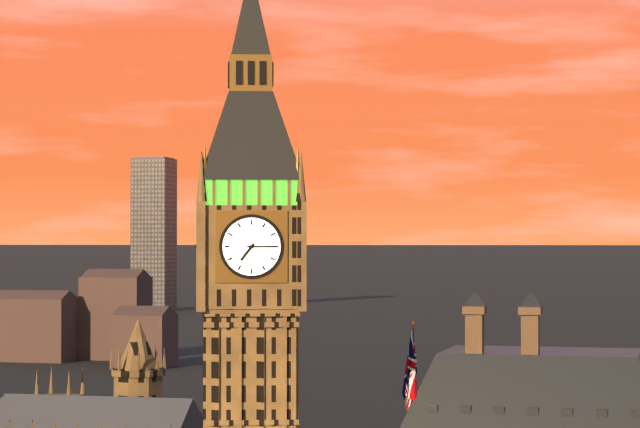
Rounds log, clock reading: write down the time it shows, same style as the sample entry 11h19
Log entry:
7h15
